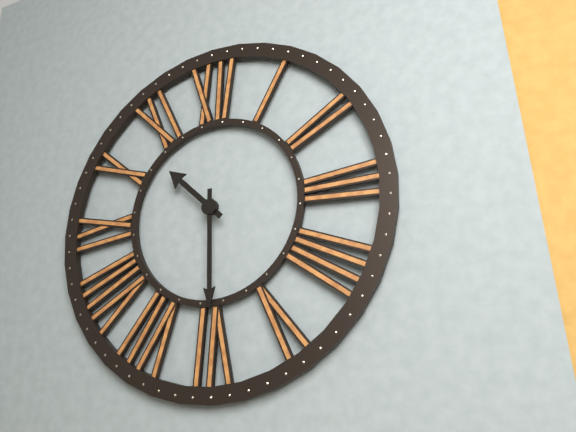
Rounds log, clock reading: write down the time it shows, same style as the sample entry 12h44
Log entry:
10h30
